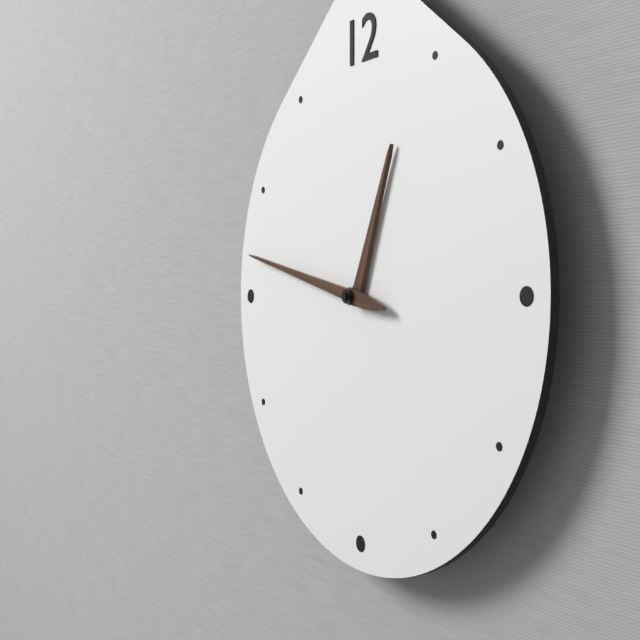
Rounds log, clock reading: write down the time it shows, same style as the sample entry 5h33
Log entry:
12h47
